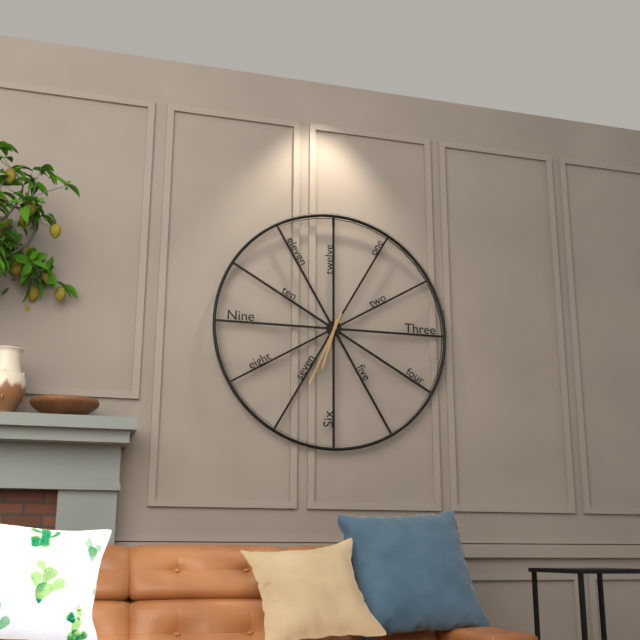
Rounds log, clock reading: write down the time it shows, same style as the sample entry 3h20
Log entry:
6h34
